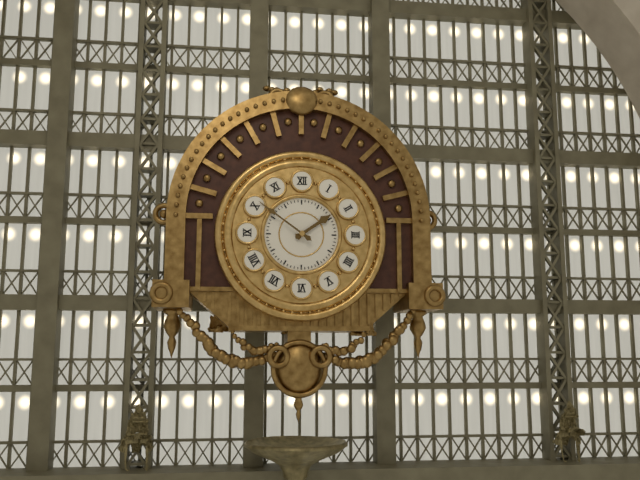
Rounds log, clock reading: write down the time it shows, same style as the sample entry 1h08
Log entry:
1h51
